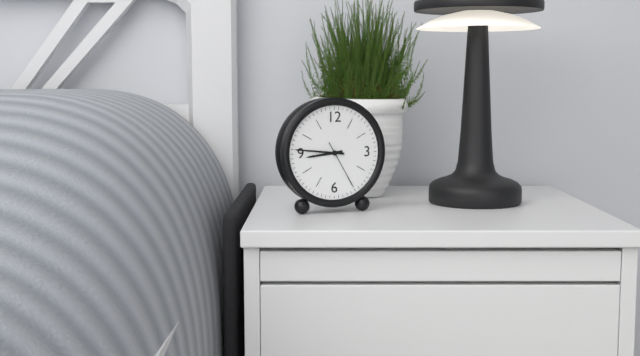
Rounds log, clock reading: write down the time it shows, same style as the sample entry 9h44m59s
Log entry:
8h46m25s
